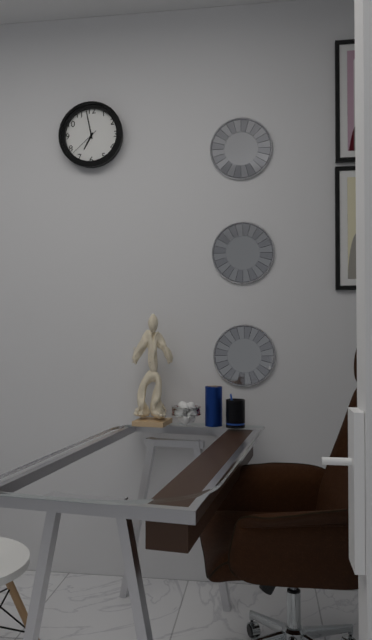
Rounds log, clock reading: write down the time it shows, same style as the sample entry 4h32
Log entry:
6h58
